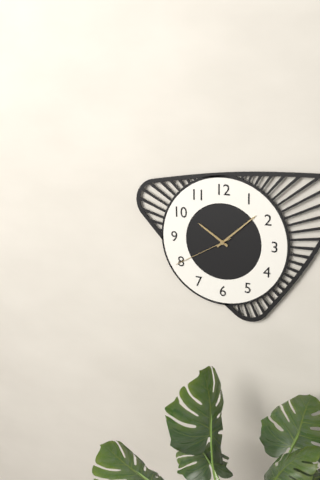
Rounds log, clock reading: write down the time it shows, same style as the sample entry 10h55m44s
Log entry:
10h08m40s
